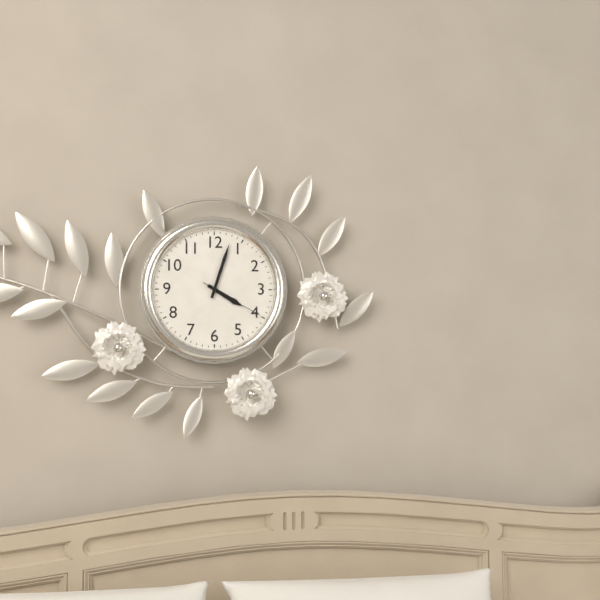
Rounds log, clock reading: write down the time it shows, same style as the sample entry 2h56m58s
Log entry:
4h03m20s
